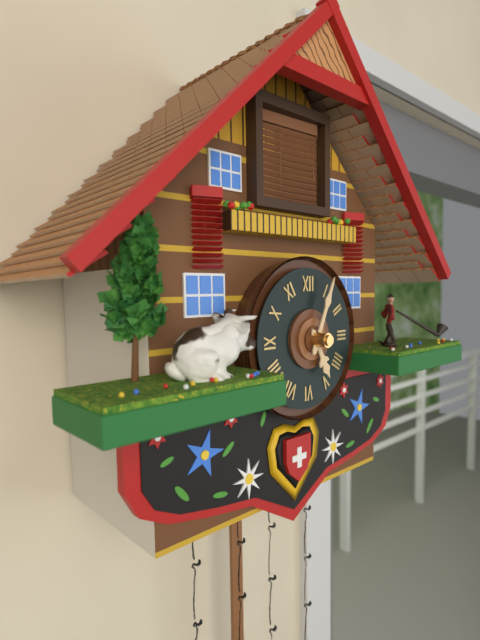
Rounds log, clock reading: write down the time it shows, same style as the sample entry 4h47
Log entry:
5h04
